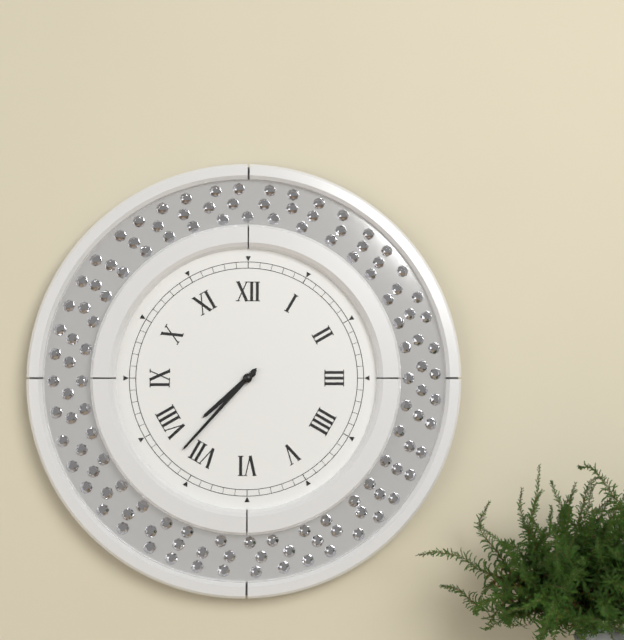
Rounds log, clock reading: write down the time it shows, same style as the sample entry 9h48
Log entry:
7h37
